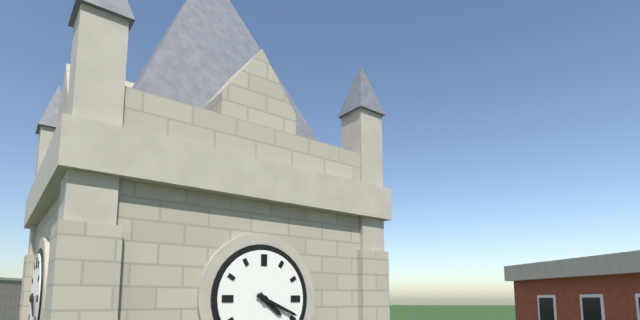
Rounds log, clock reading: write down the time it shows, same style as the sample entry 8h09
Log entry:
4h19
